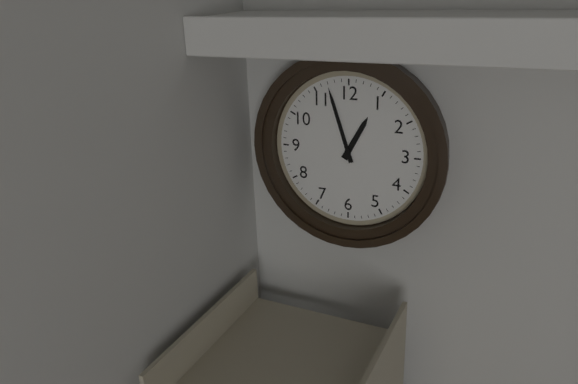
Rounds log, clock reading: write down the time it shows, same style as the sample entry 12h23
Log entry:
12h57
